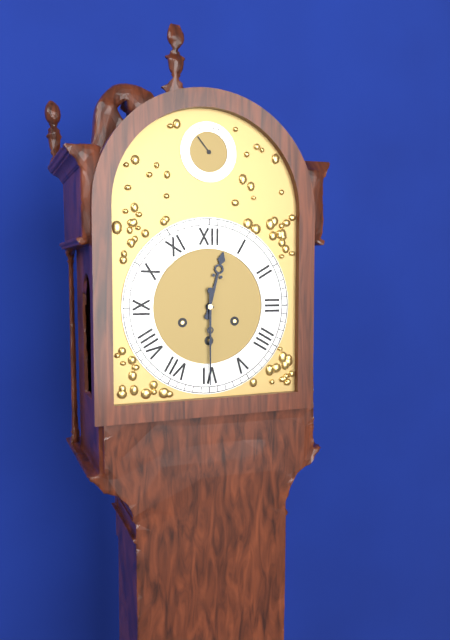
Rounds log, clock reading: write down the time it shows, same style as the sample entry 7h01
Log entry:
12h30
